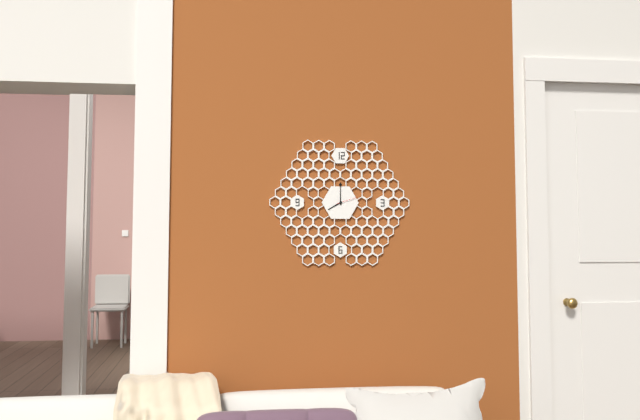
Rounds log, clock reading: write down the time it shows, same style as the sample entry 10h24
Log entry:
8h00
